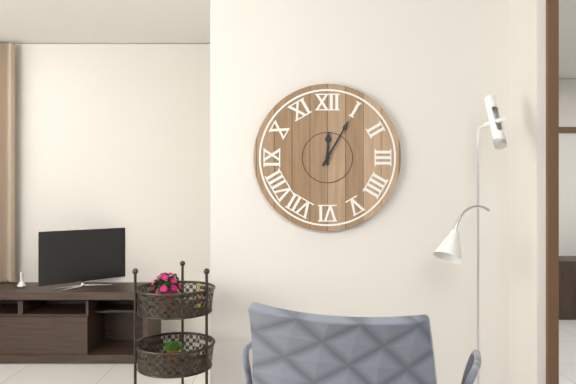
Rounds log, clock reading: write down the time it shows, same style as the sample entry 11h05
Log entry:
12h05
